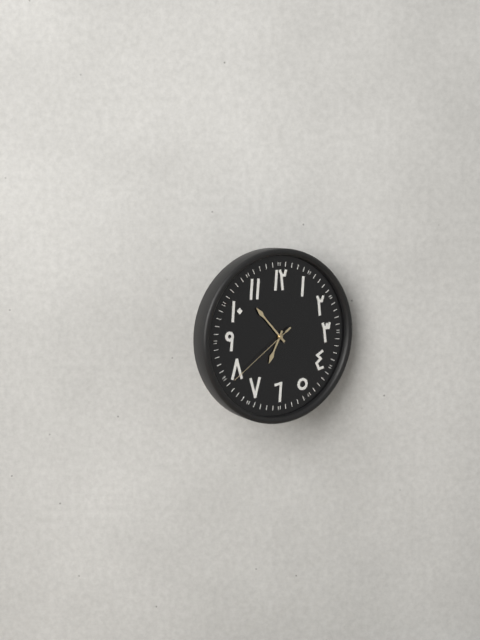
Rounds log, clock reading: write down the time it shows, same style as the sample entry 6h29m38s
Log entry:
6h53m39s
